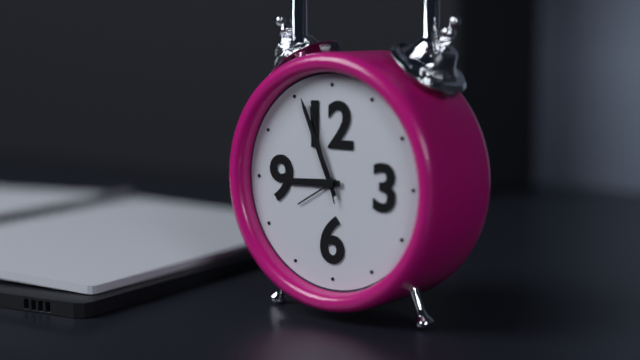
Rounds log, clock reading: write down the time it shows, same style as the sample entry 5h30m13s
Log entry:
8h56m57s
